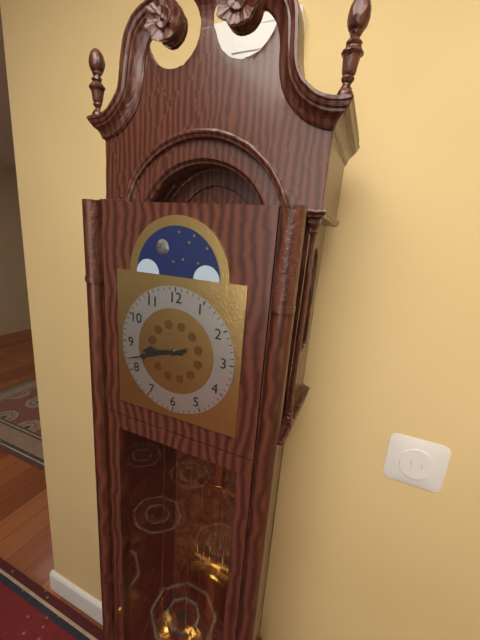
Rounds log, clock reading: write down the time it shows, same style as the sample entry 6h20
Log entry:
8h42
